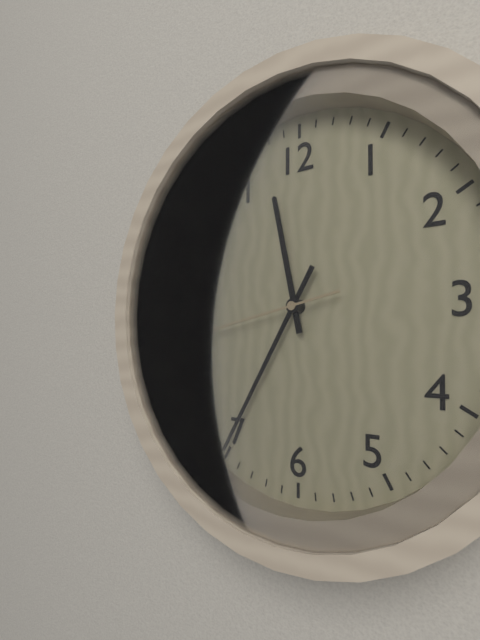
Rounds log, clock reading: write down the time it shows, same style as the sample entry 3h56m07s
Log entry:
11h35m43s
